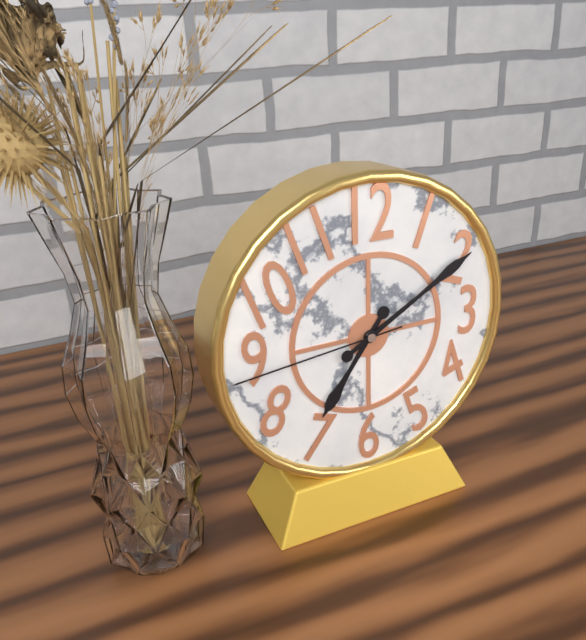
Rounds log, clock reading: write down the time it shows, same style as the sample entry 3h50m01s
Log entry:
7h10m44s
